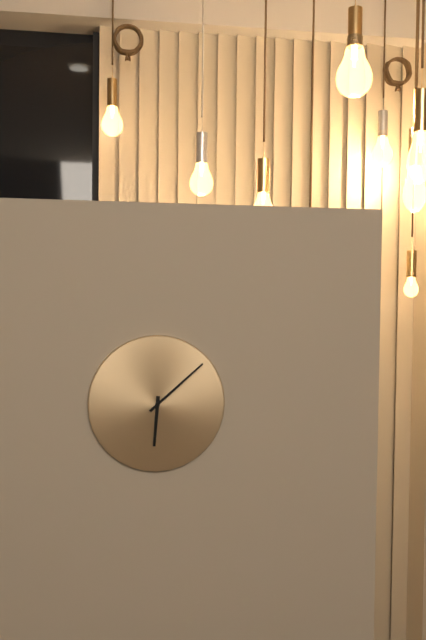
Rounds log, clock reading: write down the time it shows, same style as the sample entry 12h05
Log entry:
6h08
